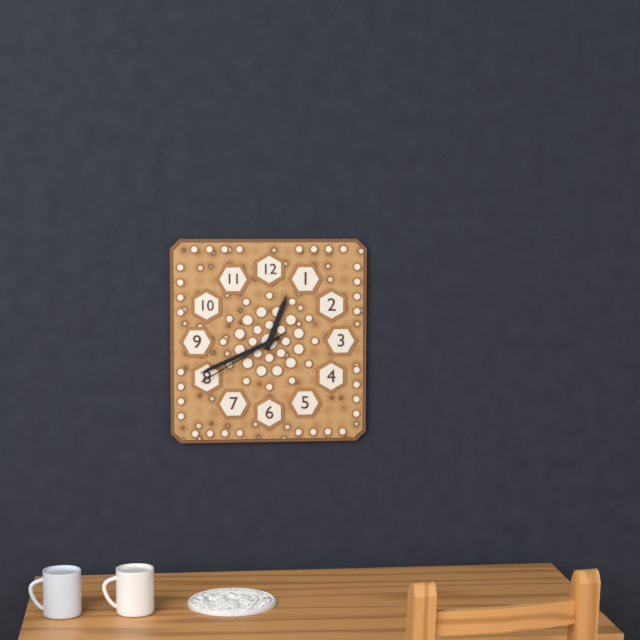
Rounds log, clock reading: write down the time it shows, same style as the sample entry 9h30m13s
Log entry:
12h41m40s
